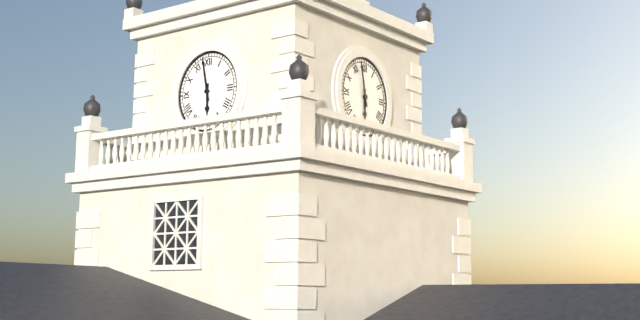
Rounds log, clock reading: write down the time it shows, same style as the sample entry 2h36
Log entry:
5h58
